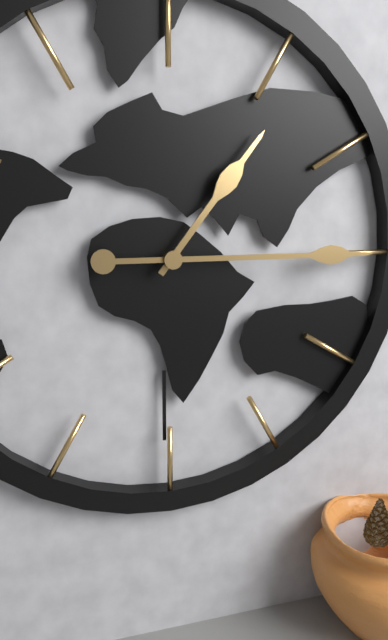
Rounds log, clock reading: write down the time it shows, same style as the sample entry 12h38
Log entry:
1h15
